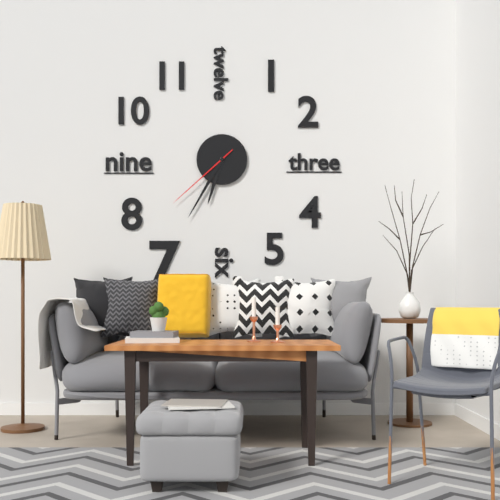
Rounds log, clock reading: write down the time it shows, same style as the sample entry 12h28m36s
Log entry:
6h35m38s
